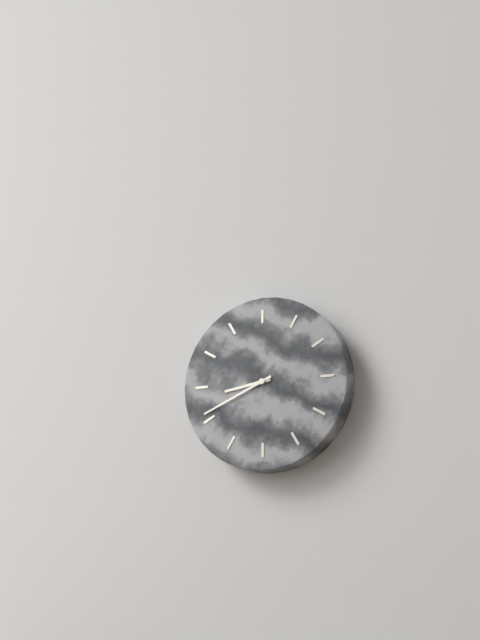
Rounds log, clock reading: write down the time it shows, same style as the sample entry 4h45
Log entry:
8h41
